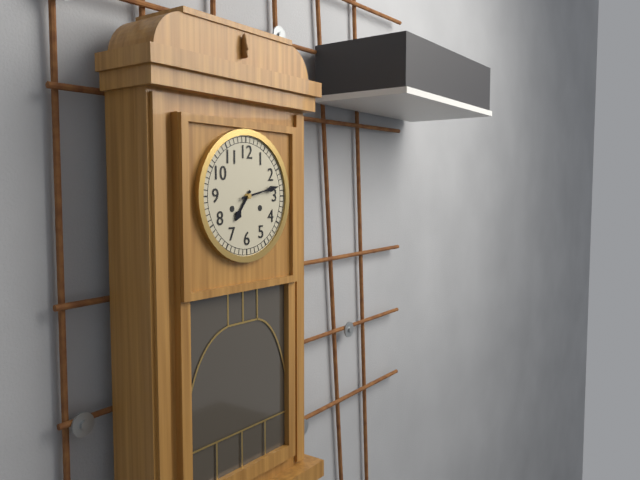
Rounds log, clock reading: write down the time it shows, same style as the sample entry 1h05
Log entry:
7h13
